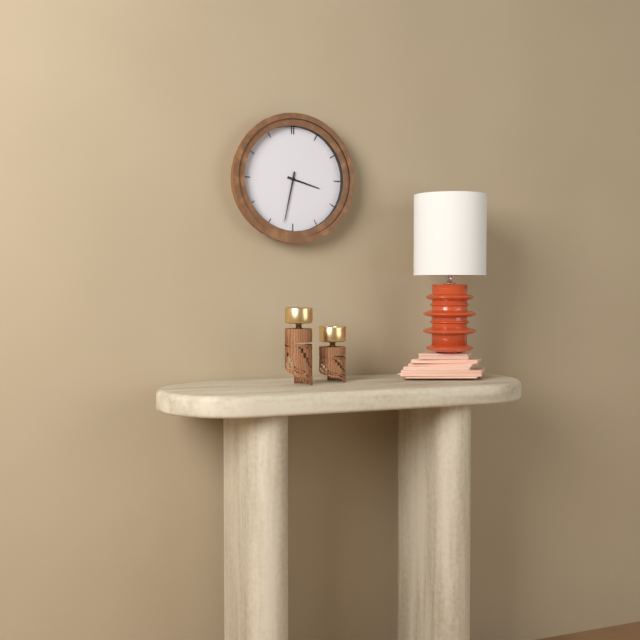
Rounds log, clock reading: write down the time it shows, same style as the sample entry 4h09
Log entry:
3h32
